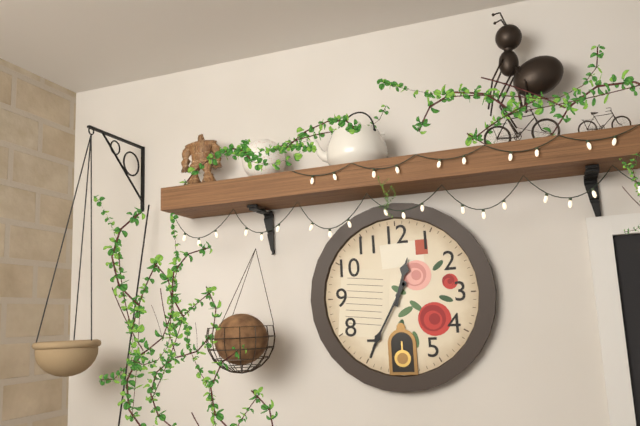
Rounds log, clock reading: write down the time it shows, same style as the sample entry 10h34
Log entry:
12h35
